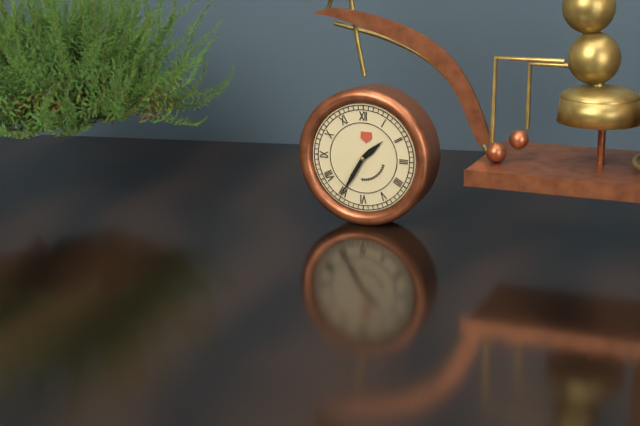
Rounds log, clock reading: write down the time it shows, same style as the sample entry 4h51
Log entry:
1h35
